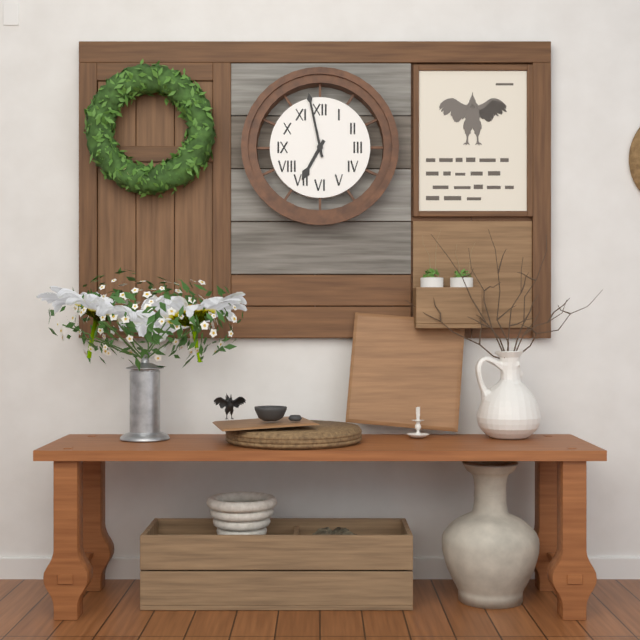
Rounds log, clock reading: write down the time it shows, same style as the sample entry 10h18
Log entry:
6h58
